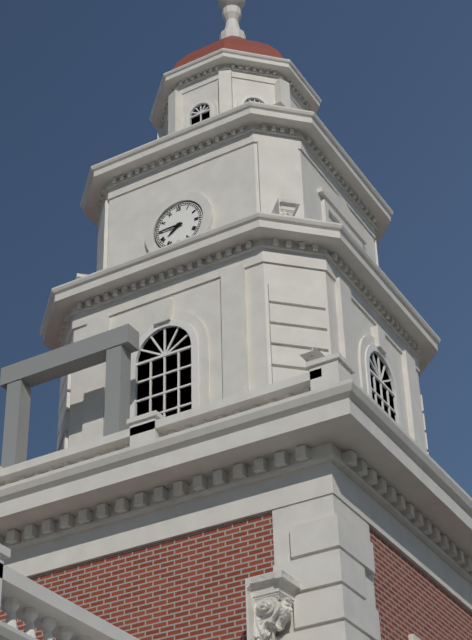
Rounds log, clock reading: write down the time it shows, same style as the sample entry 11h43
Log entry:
7h45
